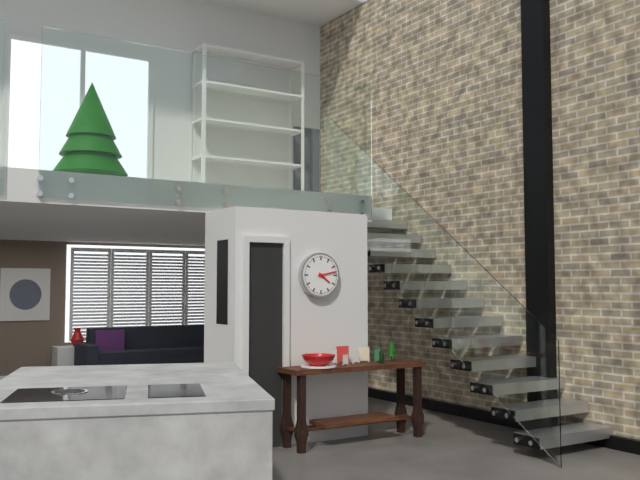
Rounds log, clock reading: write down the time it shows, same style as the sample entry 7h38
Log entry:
4h13
